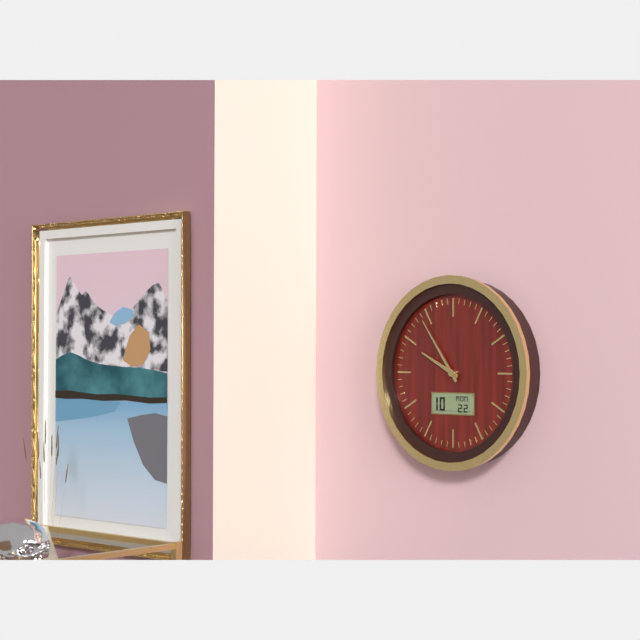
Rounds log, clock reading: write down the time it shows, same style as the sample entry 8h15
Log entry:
9h54
